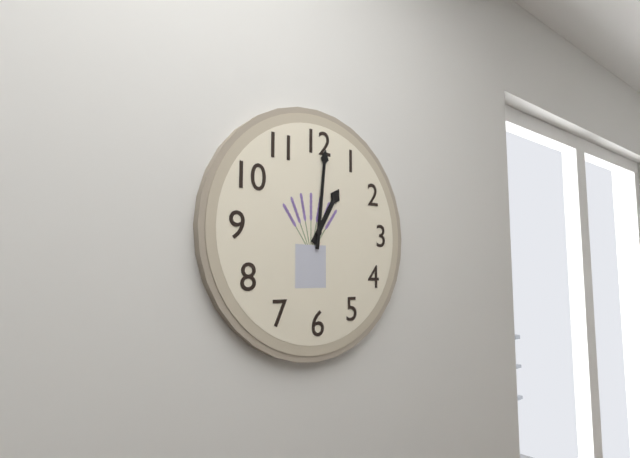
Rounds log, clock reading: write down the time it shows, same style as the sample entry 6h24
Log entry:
1h01
